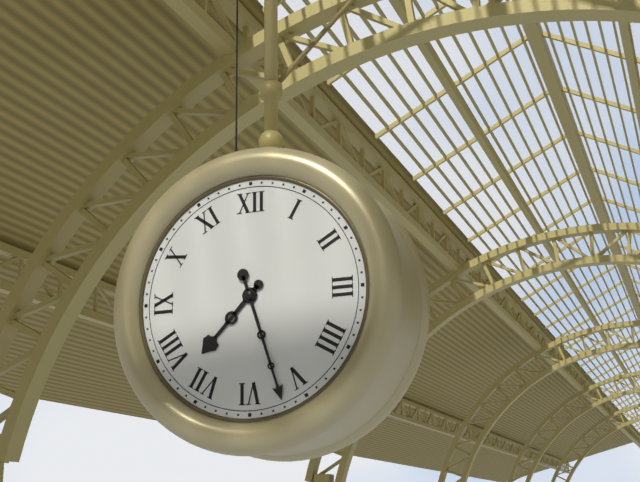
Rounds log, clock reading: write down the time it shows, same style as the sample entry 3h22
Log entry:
7h27
